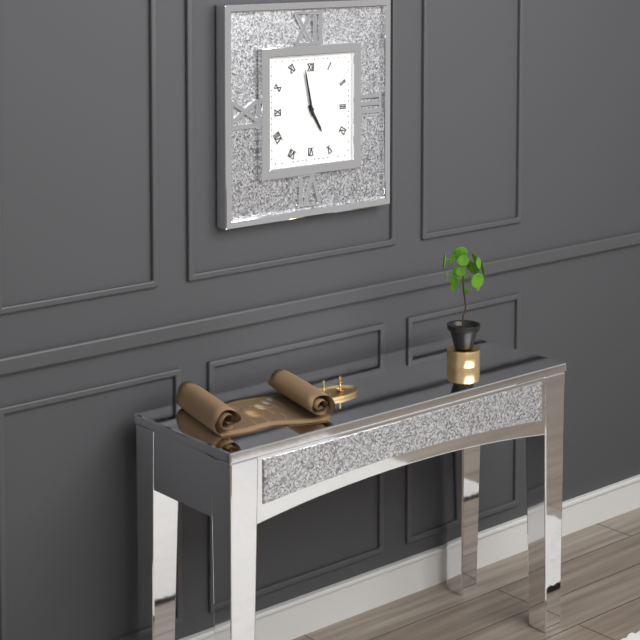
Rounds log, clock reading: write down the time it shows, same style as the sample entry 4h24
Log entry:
4h58
